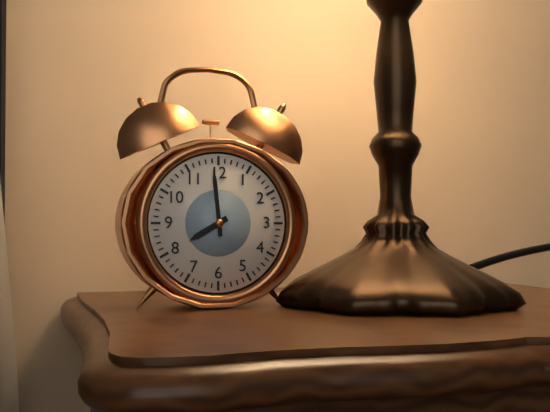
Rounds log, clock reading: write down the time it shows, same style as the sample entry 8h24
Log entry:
7h59
